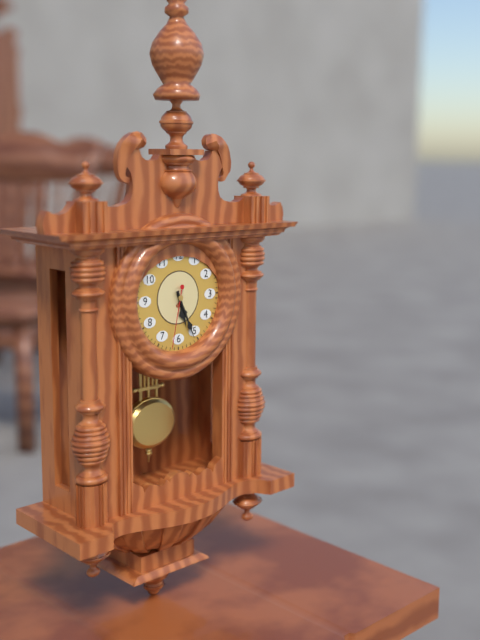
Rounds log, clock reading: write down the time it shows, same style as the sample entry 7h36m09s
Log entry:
5h26m32s
